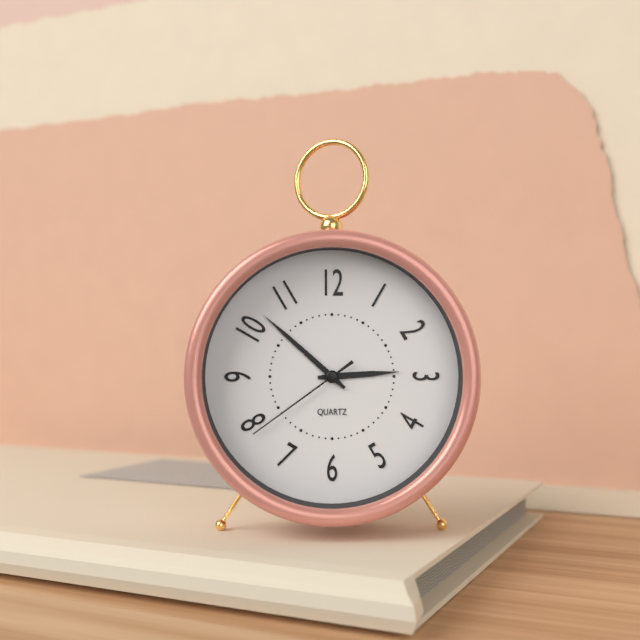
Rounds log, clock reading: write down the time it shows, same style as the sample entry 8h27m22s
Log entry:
2h52m39s
